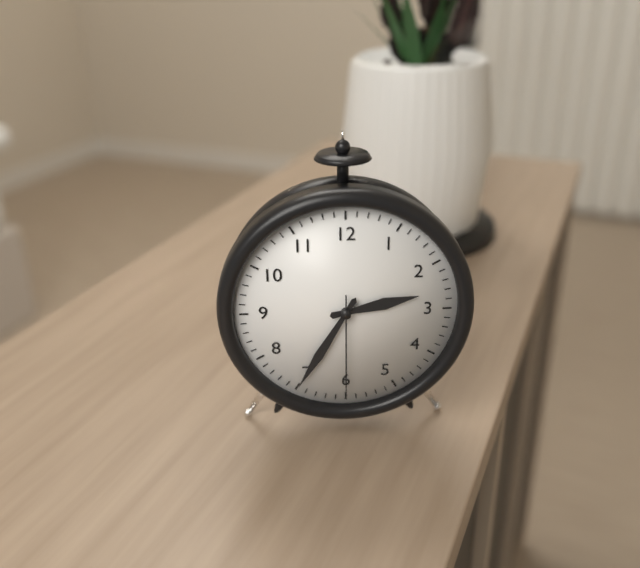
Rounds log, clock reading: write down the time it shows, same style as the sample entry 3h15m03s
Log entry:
2h35m30s
